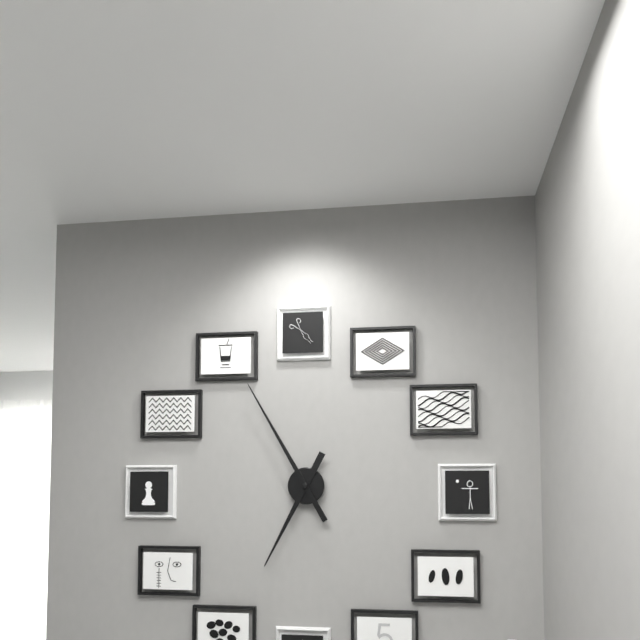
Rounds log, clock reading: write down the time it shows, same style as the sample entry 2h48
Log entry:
6h55
